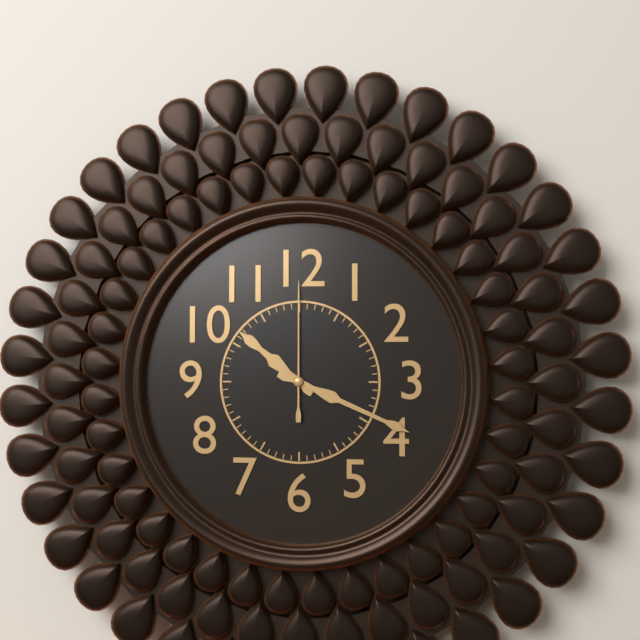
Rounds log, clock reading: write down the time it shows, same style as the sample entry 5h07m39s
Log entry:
10h19m00s
